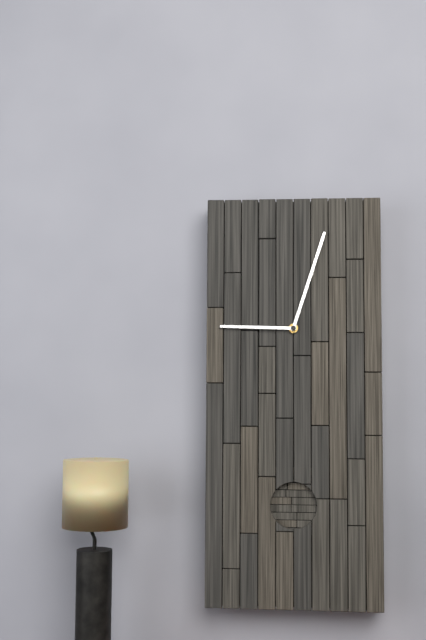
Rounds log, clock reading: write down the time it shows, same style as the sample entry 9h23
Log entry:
9h03
